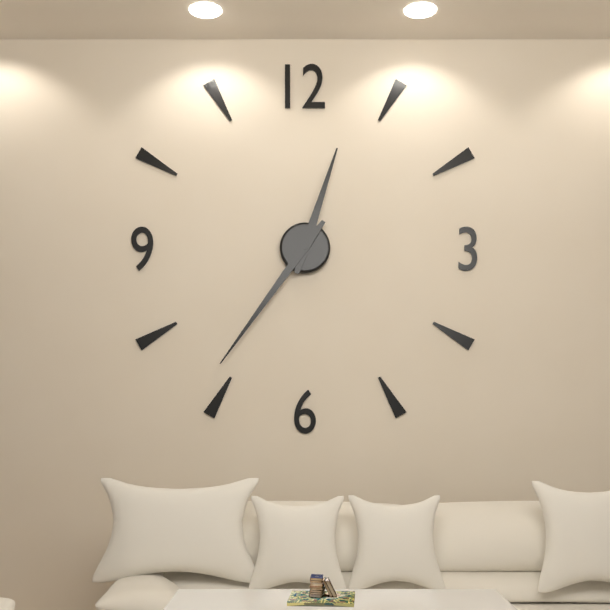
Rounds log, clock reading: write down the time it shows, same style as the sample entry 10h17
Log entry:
12h36
